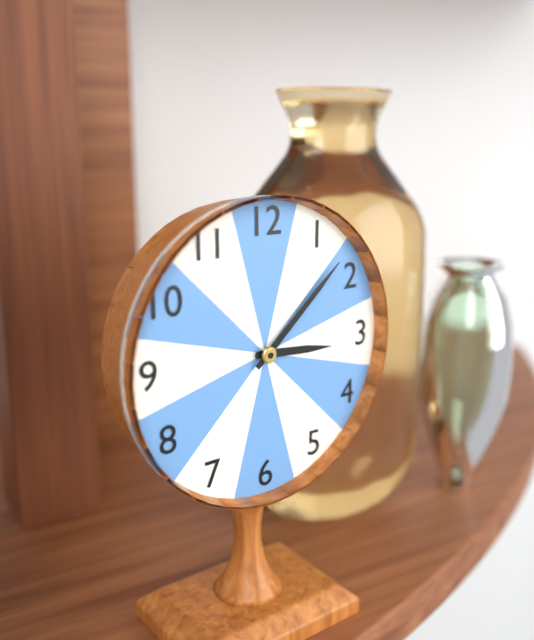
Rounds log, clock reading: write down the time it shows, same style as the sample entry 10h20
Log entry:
3h08
